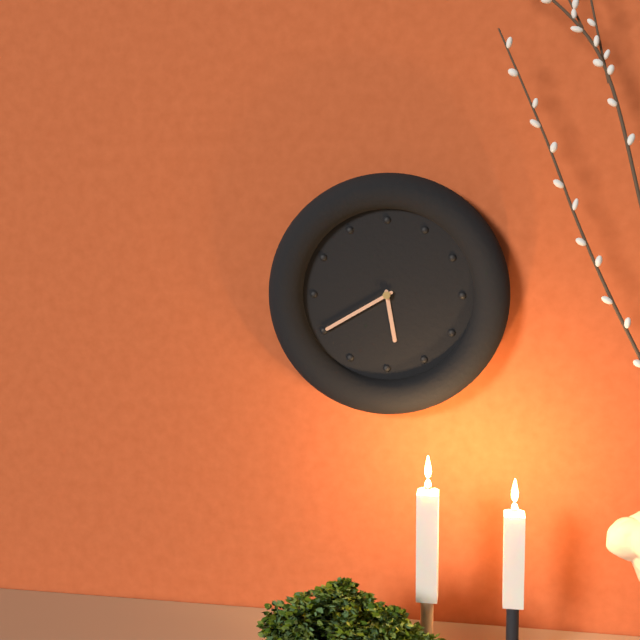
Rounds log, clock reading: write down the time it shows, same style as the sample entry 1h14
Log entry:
5h40
